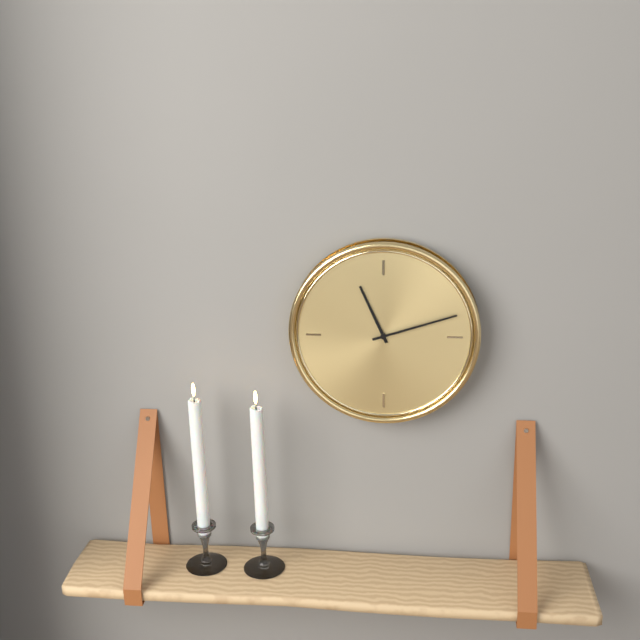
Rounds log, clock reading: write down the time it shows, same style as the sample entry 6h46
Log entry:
11h12
